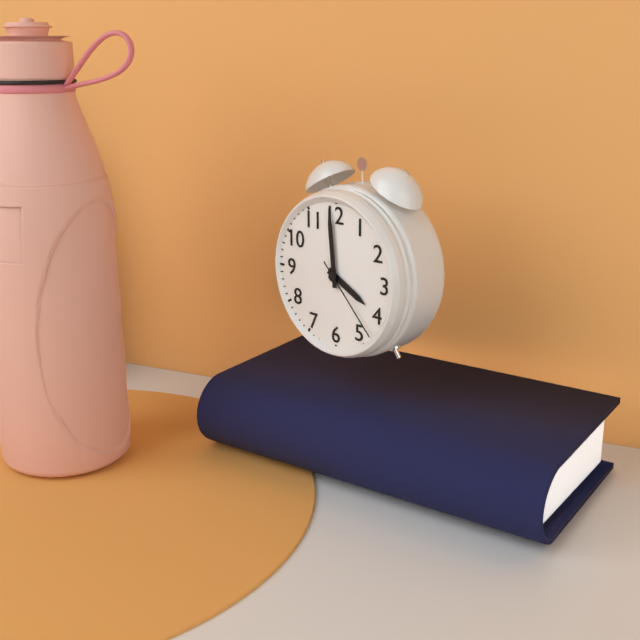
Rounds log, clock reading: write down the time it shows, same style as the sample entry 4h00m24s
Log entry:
3h59m23s
